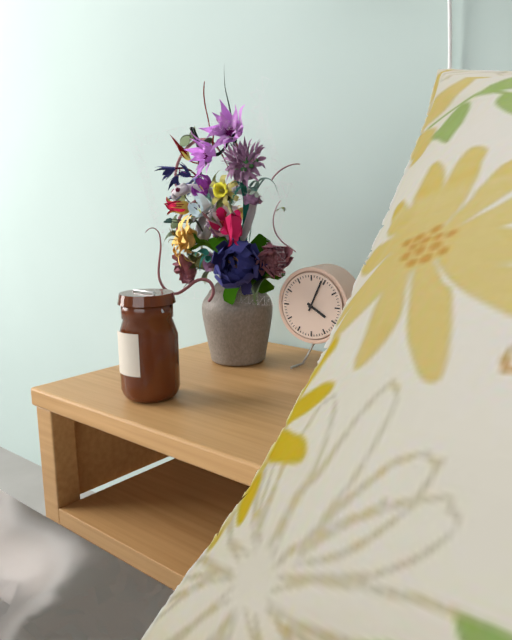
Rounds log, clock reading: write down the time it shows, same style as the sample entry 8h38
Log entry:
4h04
